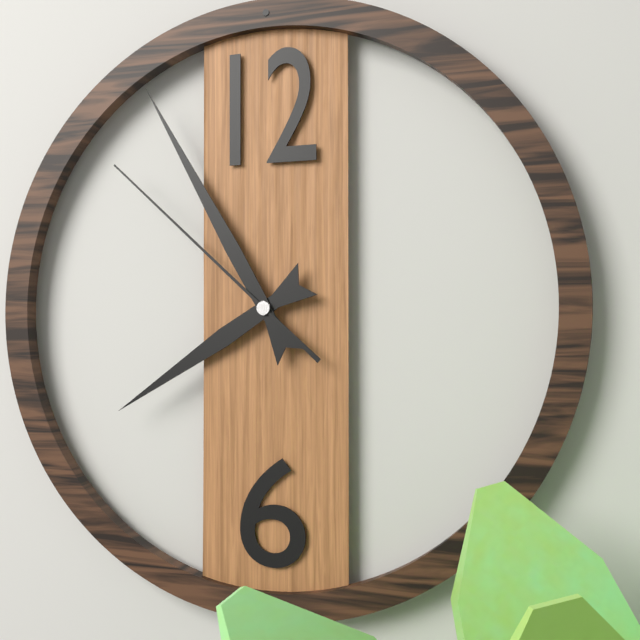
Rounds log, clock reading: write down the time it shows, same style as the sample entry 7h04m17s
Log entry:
7h55m52s
